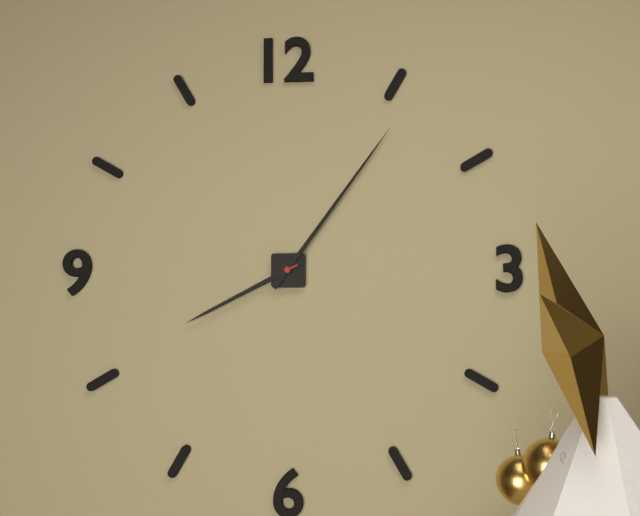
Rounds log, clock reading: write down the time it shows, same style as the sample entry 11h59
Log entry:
8h06
